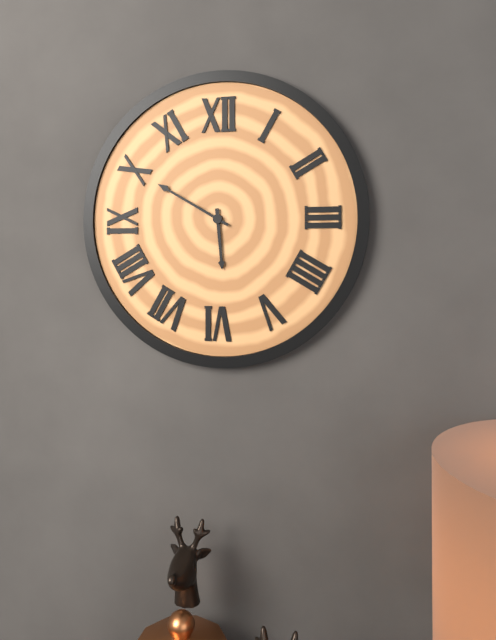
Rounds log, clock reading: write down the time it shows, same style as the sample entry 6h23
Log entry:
5h50
